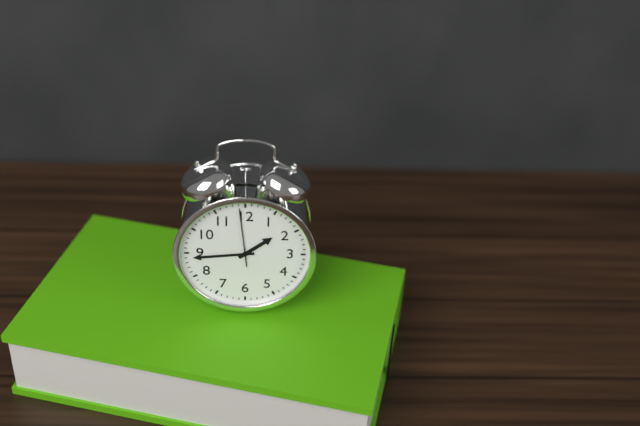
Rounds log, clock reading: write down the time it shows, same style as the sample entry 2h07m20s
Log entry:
1h44m59s
